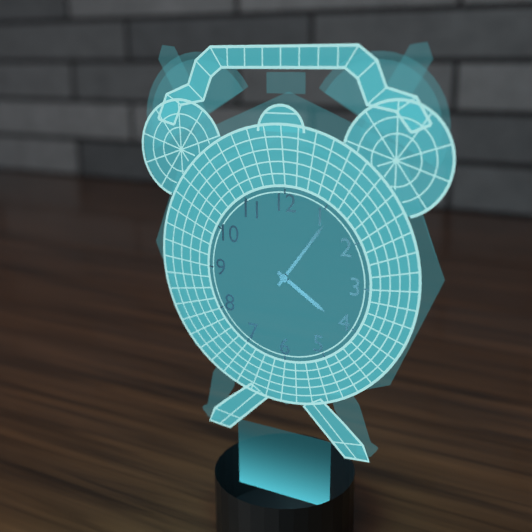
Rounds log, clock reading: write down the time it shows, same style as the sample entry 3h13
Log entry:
4h06
